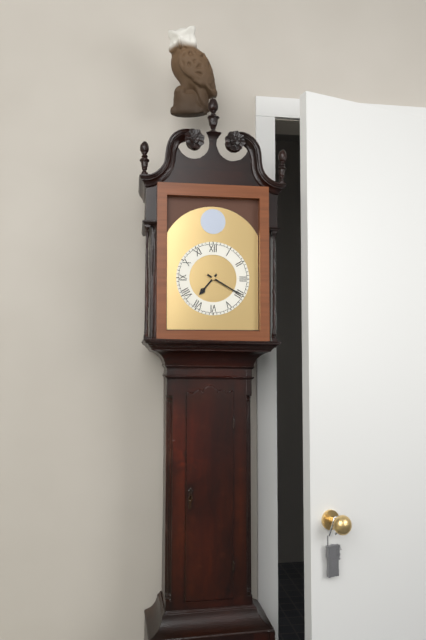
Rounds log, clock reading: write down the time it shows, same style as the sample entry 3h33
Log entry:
7h20
